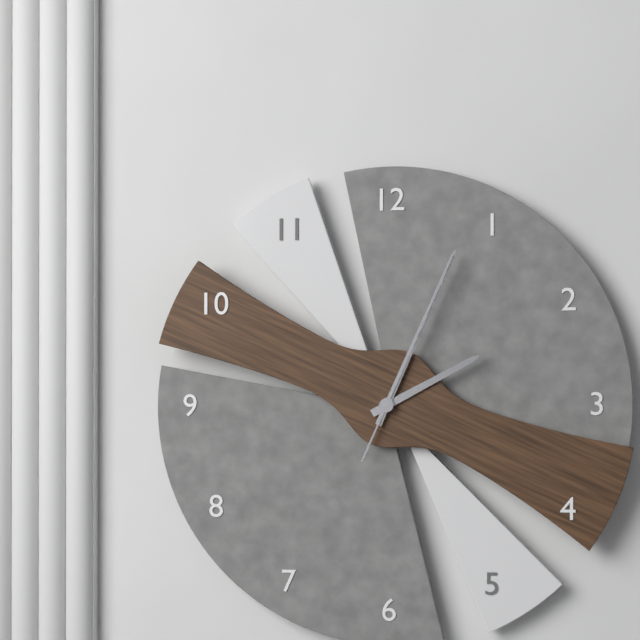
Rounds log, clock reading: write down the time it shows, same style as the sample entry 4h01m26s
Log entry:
2h04m04s
